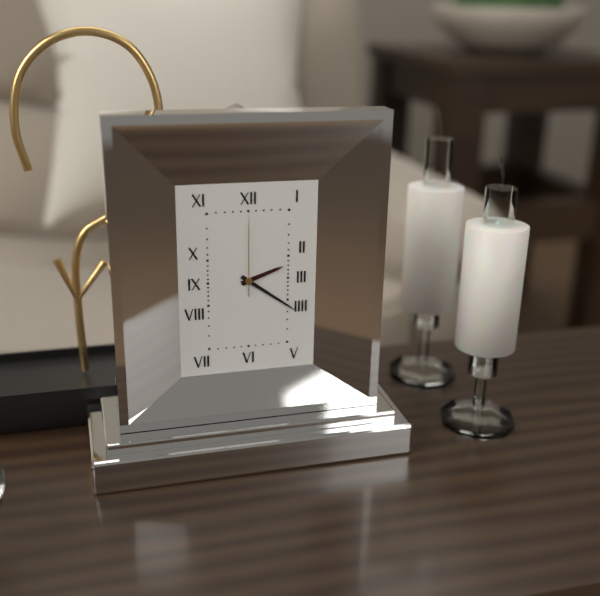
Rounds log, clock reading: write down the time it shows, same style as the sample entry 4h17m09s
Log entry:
2h21m00s
